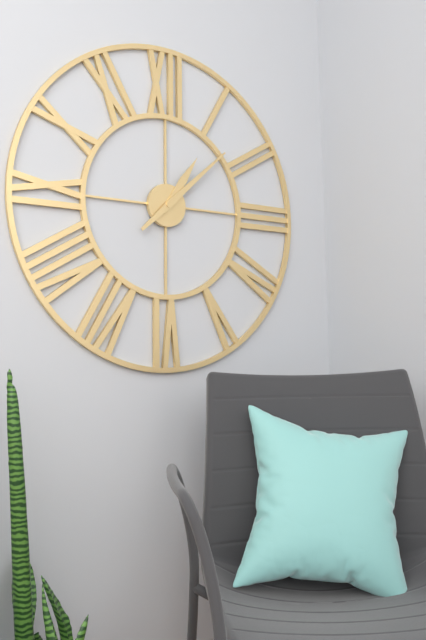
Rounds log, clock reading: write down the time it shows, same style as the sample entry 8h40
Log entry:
1h08
